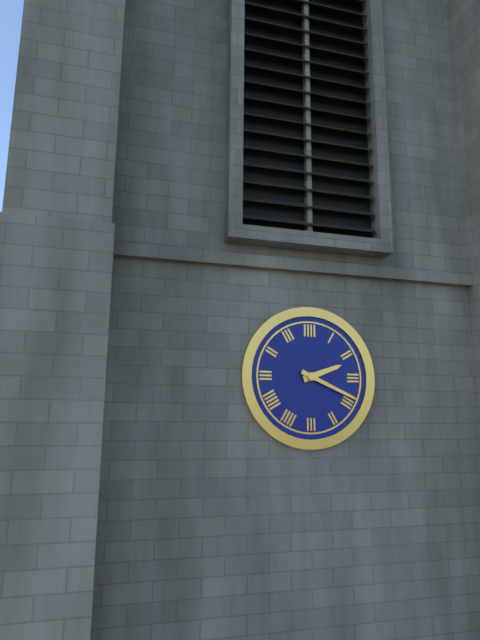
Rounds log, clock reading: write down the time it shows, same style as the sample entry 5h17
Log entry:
2h19
